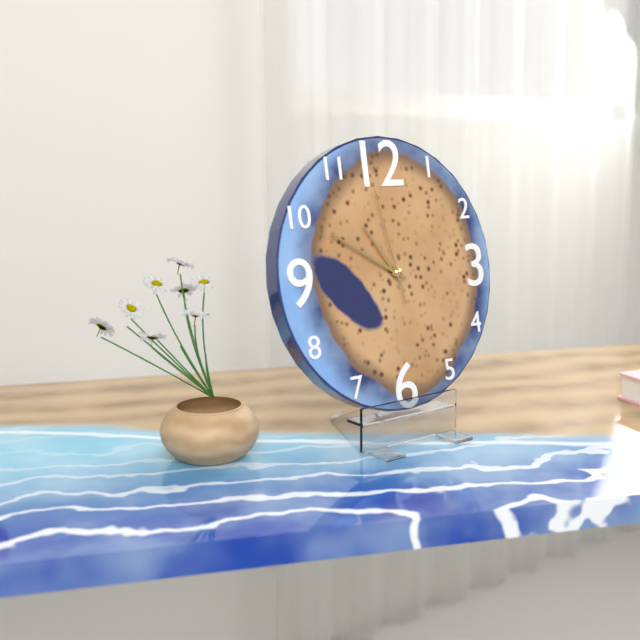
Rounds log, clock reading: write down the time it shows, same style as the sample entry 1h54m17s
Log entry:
10h50m58s
